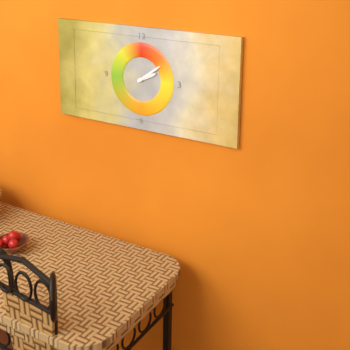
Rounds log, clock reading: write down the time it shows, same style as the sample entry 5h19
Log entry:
2h09
